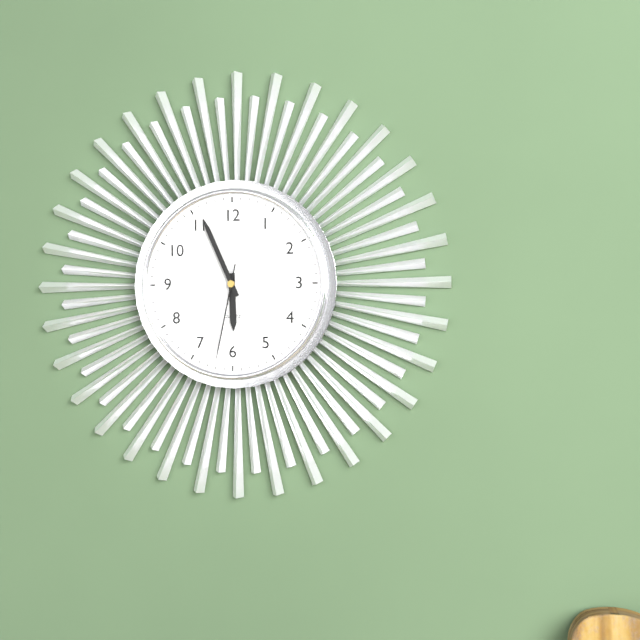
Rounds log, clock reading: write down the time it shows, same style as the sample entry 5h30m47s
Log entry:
5h56m32s
